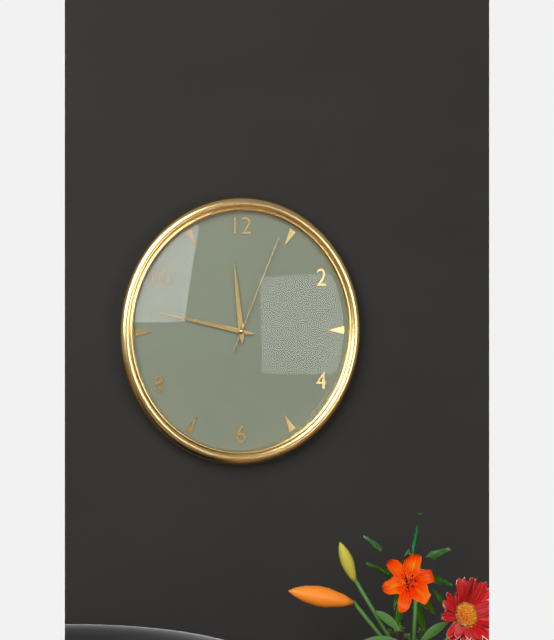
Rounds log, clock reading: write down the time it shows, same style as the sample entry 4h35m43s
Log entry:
11h47m04s
